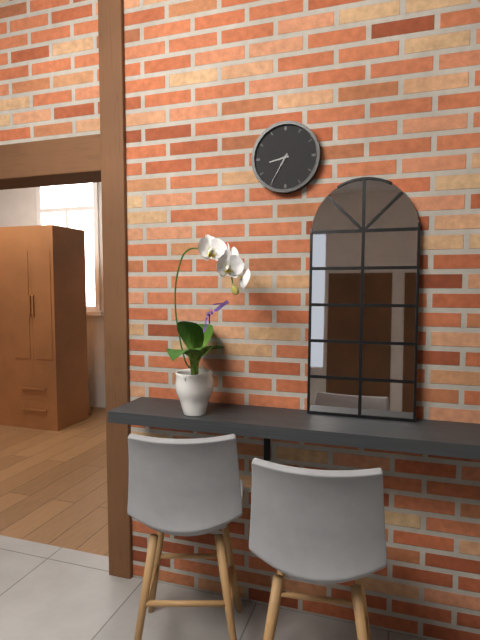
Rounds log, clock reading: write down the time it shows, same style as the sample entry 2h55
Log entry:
8h35
